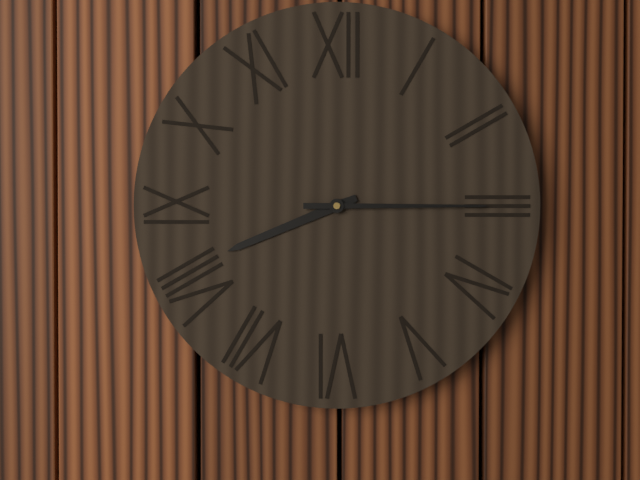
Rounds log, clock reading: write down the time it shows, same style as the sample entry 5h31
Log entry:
8h15
